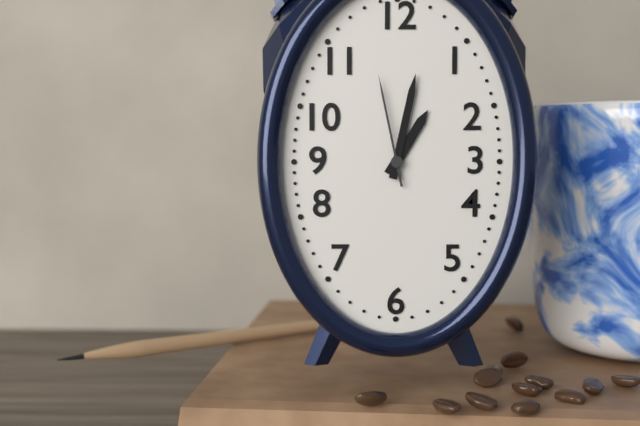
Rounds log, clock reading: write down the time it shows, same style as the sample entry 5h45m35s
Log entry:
1h02m58s
